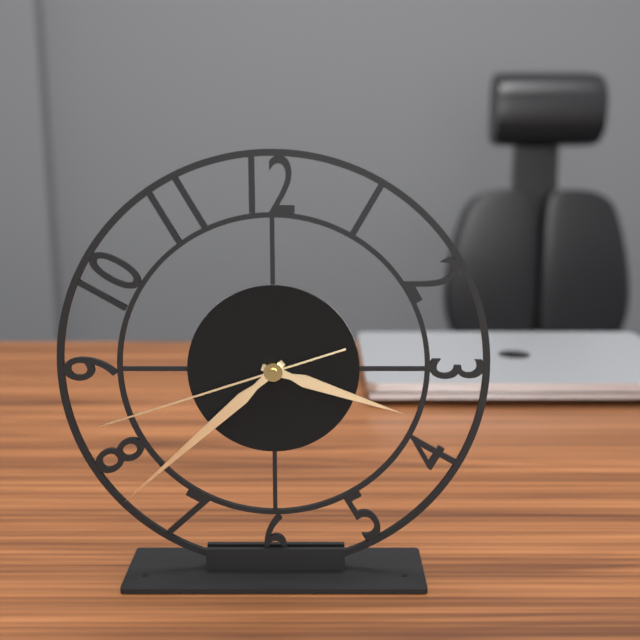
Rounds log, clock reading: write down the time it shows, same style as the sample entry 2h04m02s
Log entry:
3h38m42s
